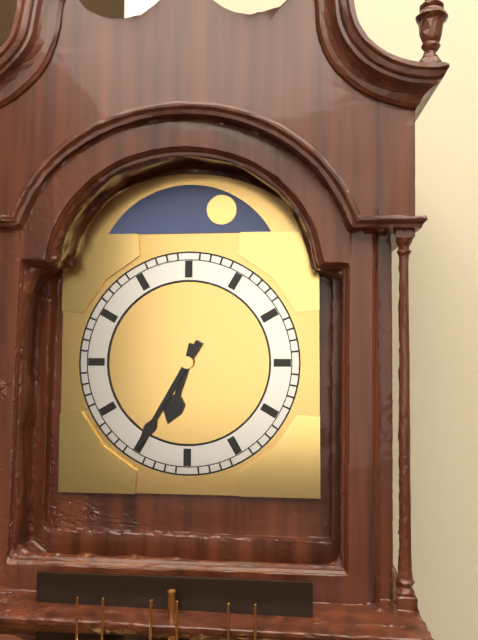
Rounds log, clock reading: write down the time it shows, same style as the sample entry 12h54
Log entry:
6h35
